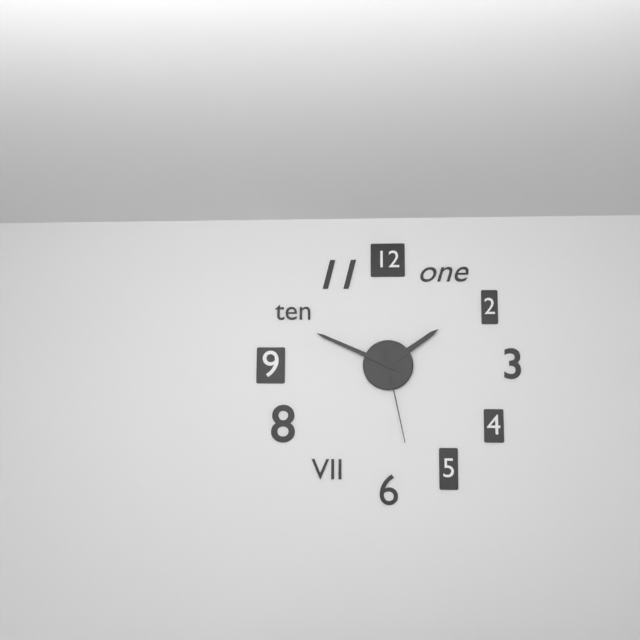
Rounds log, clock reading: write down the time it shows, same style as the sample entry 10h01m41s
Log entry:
1h49m28s
